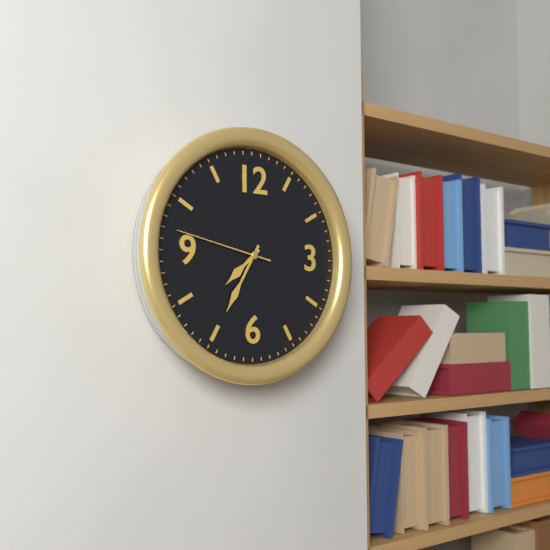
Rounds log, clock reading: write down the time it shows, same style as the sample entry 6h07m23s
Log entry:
7h35m47s
